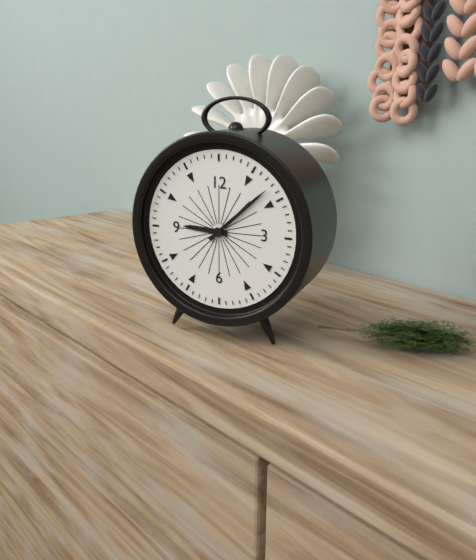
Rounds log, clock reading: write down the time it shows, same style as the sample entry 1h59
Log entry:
9h08
